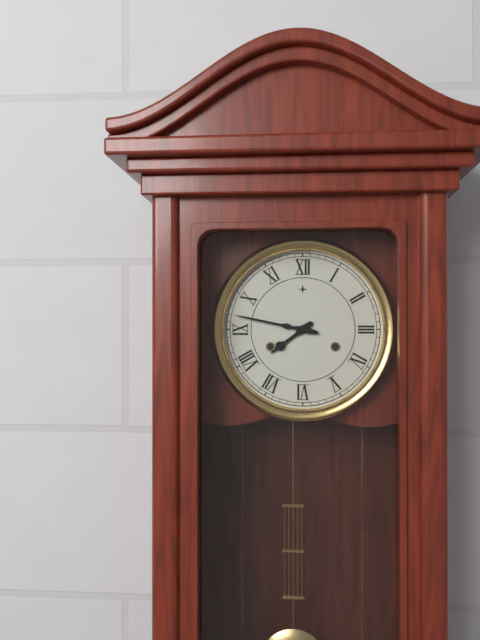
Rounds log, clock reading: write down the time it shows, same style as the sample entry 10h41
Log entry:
7h47
